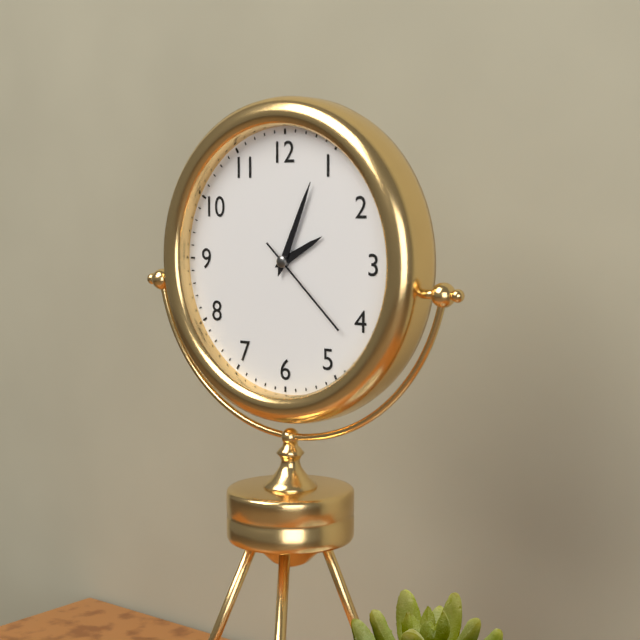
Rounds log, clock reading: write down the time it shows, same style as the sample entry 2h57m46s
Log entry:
2h04m22s
